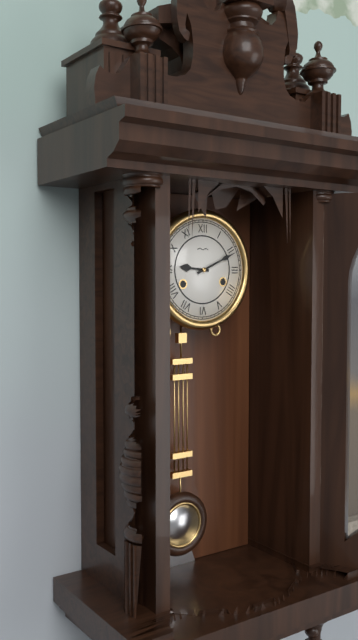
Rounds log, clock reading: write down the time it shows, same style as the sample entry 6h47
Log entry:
9h11
